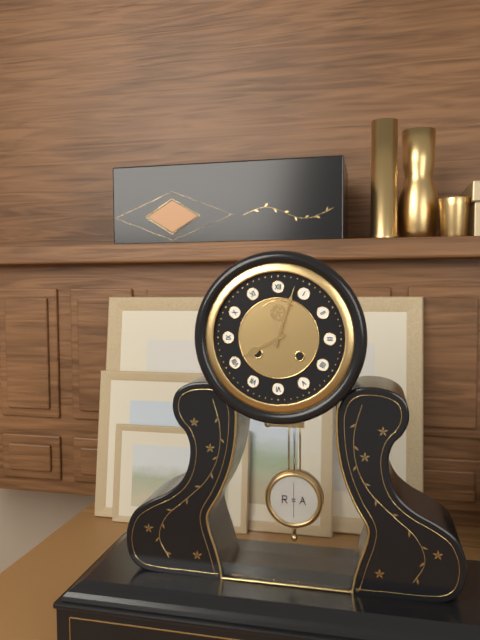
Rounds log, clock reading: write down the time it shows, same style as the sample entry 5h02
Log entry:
8h03
